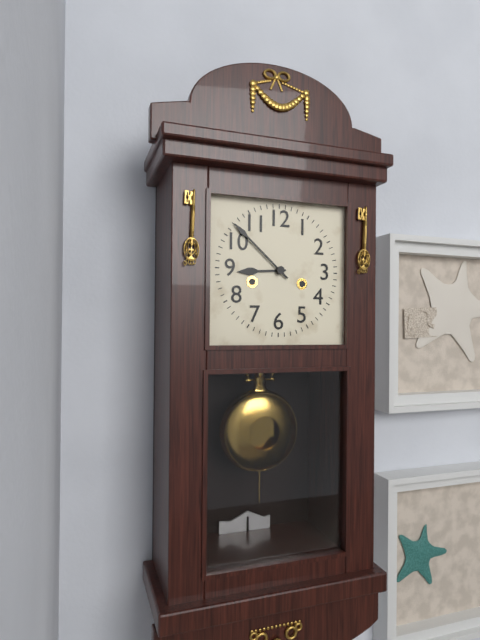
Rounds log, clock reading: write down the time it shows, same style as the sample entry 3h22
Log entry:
8h52
